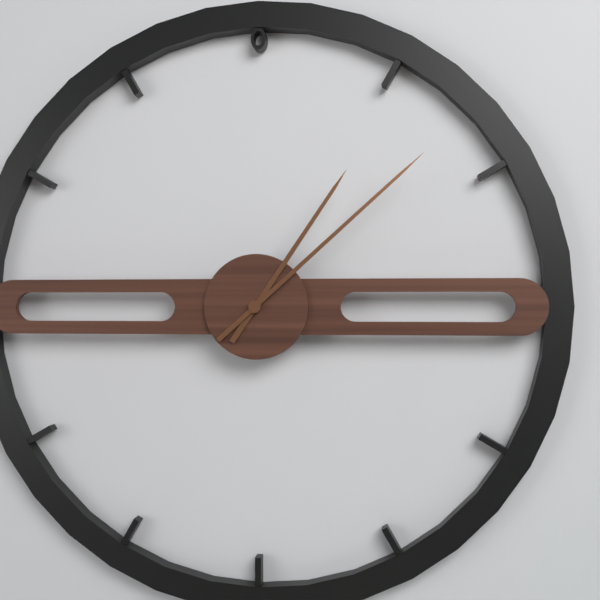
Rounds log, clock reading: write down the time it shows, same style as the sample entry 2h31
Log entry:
1h08
